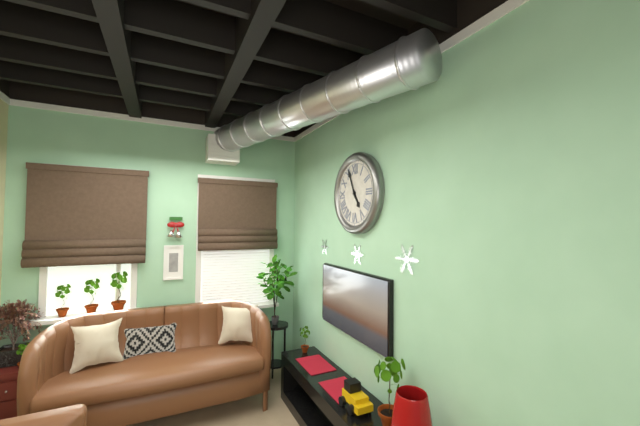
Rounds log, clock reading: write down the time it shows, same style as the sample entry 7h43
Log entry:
4h56
